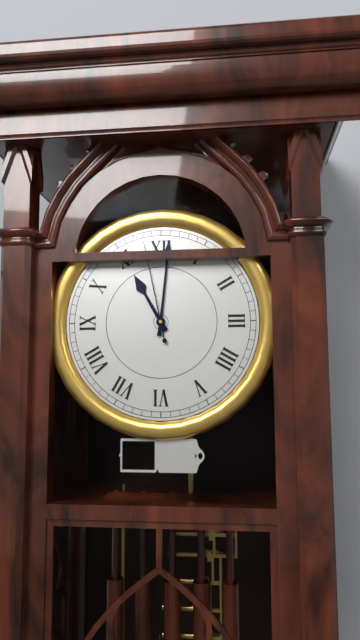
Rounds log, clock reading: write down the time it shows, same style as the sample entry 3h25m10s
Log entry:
11h01m58s
